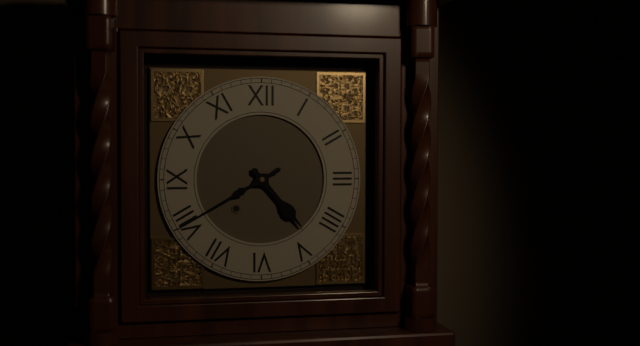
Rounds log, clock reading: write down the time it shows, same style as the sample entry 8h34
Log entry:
4h40
